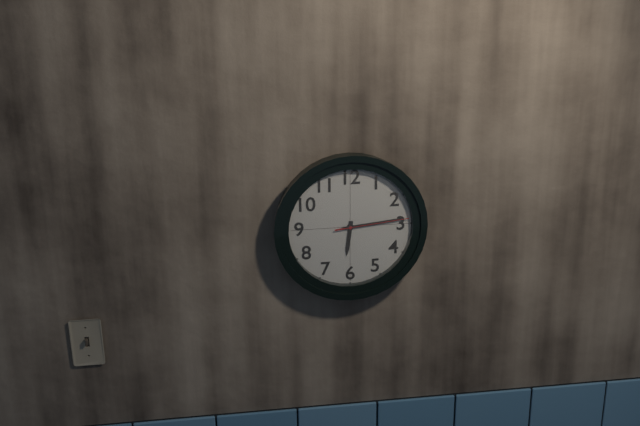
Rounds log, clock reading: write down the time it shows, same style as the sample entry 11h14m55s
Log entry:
6h14m14s
